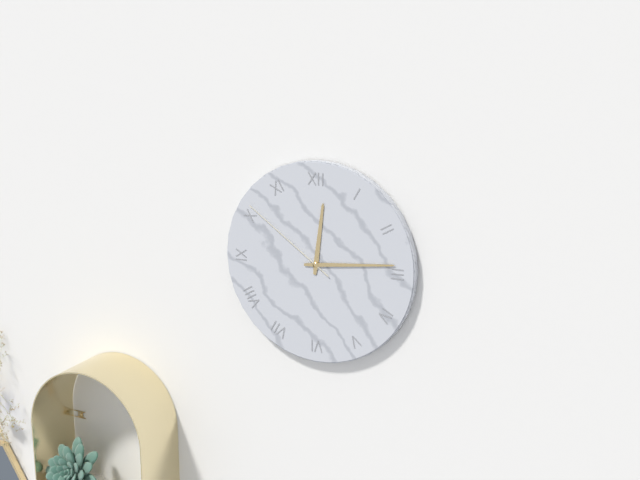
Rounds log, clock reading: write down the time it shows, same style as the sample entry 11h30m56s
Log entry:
12h14m51s
